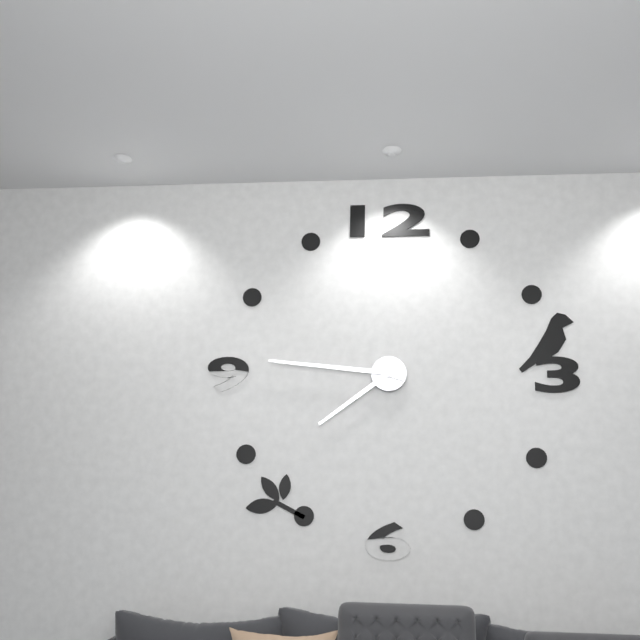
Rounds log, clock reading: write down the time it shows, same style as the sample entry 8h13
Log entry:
7h46
